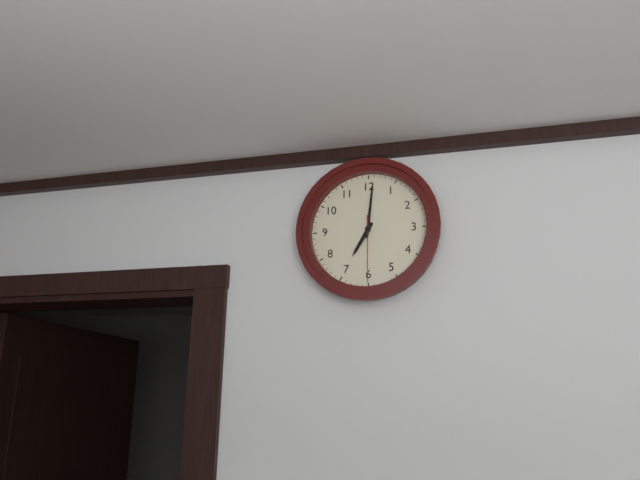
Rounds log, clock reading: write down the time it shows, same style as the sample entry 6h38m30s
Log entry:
7h01m30s
